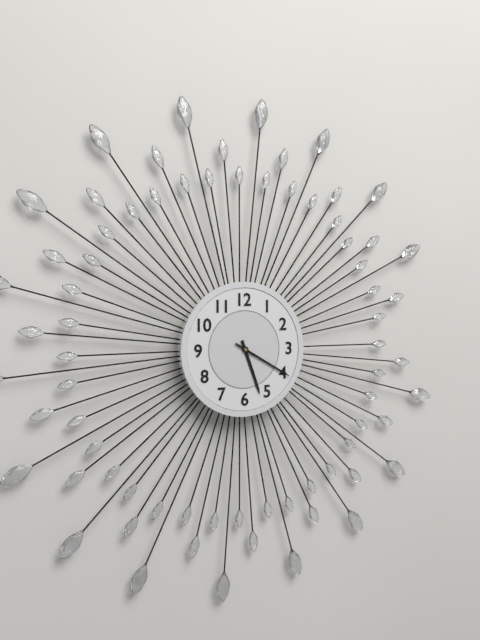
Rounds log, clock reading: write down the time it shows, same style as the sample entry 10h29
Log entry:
5h20
